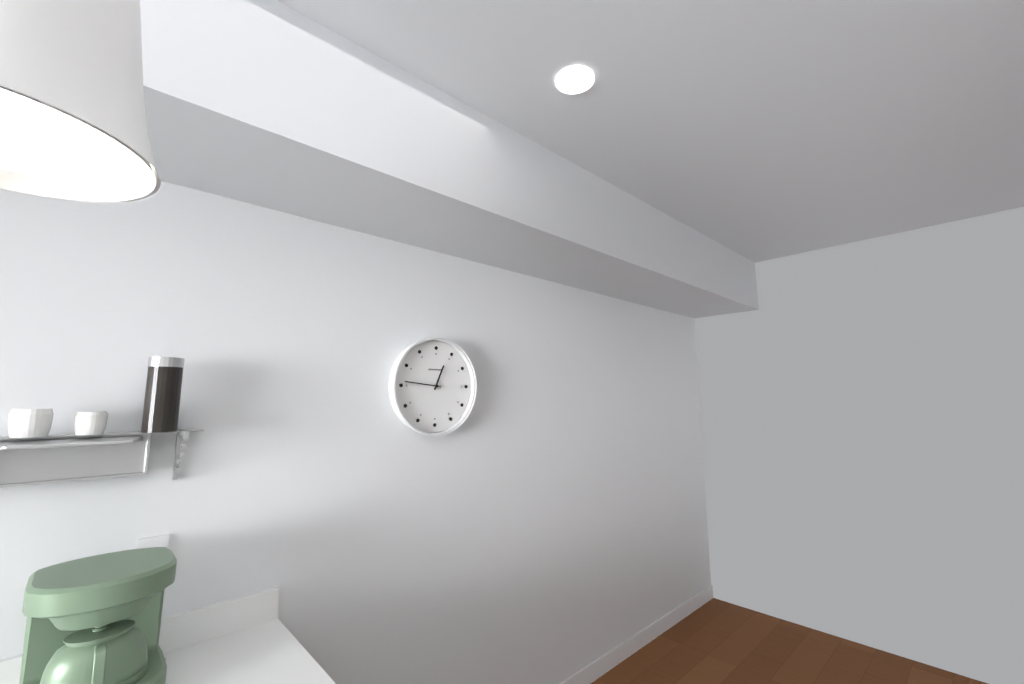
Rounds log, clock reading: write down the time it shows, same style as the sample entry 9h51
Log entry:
12h46
